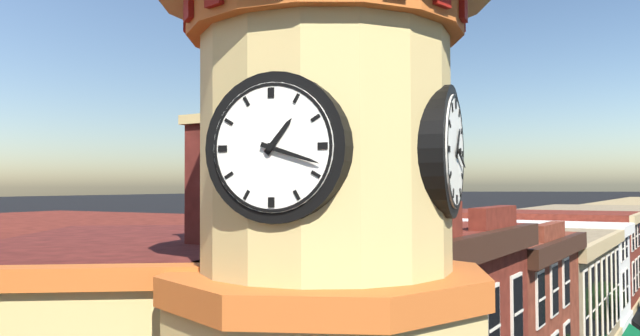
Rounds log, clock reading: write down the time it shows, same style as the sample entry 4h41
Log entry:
1h18
